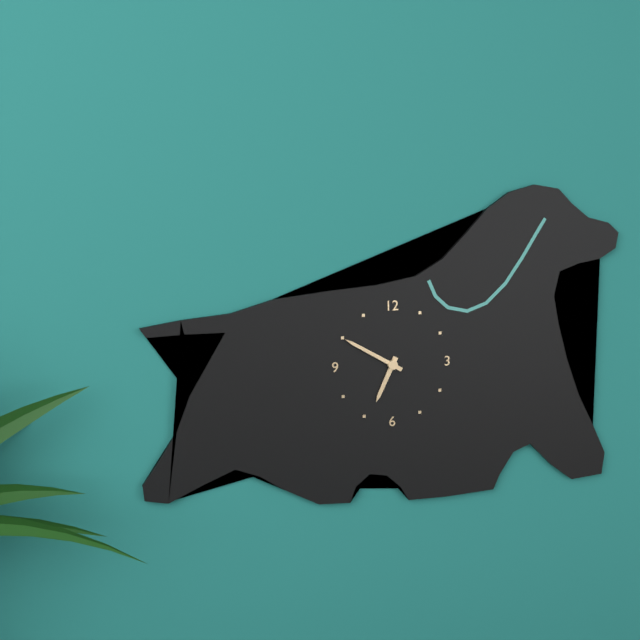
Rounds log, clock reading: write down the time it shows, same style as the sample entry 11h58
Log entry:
6h50
